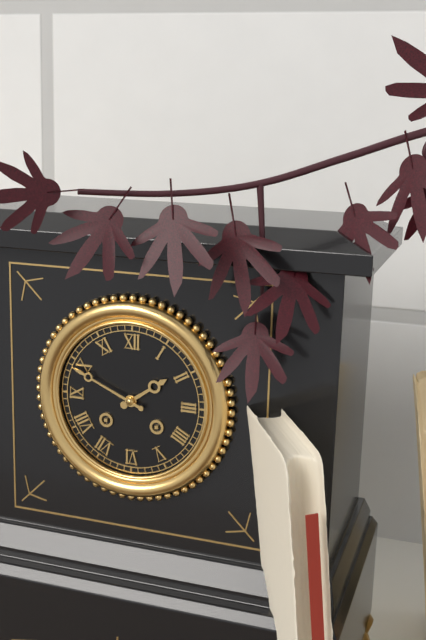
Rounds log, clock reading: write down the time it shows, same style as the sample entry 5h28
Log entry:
1h49
